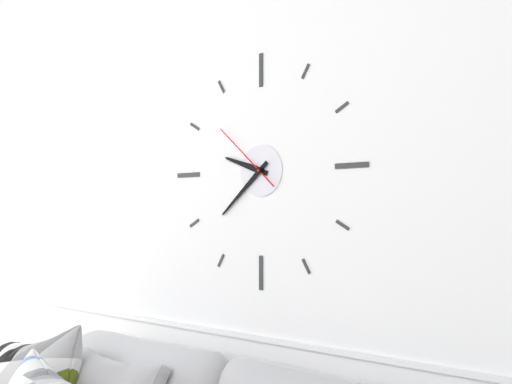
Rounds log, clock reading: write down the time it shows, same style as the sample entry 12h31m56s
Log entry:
9h38m52s
